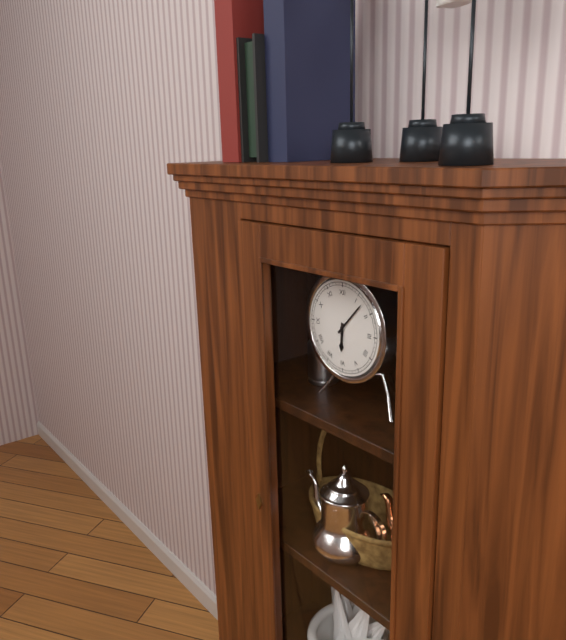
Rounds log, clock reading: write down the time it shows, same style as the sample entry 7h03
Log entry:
6h07
